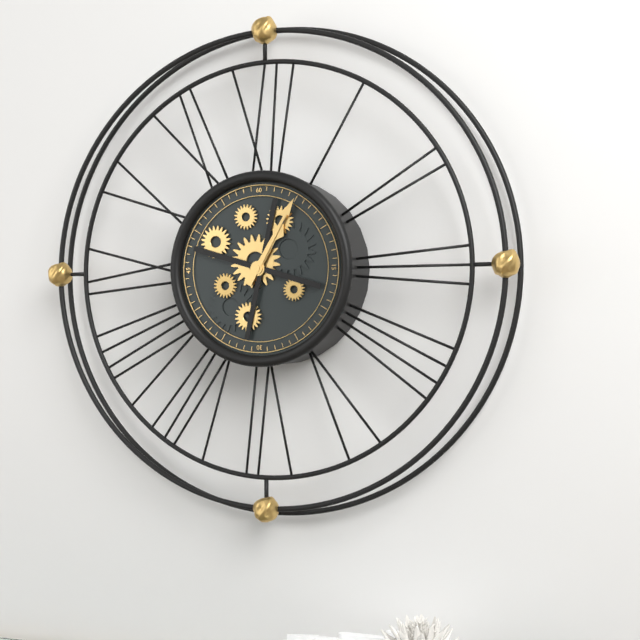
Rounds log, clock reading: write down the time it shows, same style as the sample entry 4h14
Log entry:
1h05
